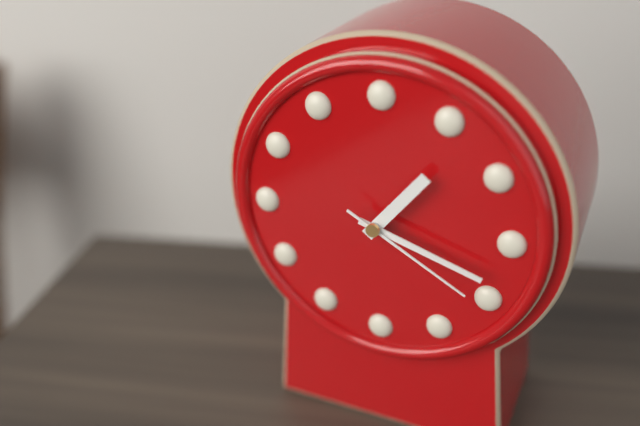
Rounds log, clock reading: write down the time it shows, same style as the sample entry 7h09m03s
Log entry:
1h18m20s
